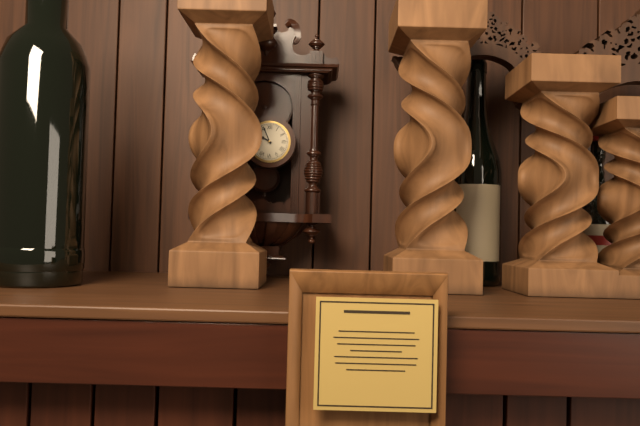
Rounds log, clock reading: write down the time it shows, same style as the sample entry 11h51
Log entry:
9h56
